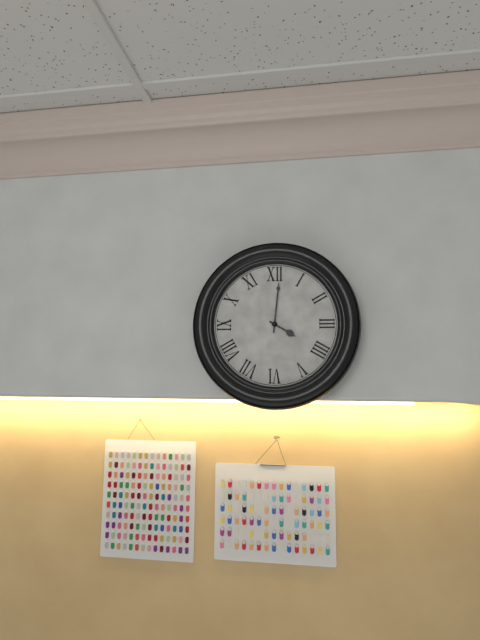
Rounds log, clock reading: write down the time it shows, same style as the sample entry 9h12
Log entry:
4h01
